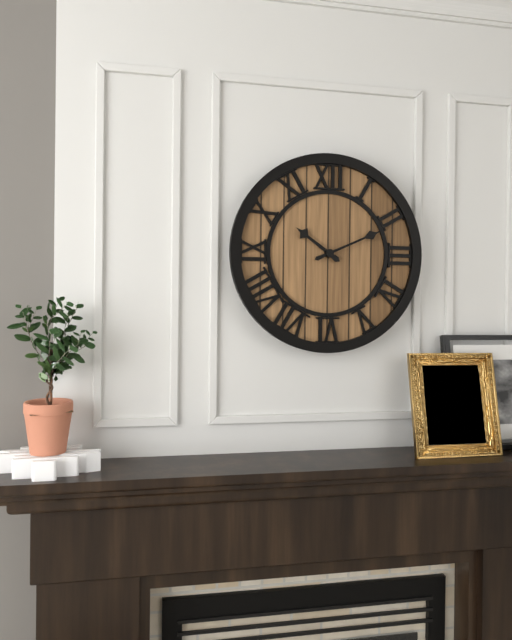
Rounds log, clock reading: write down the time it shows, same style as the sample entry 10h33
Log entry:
10h11
